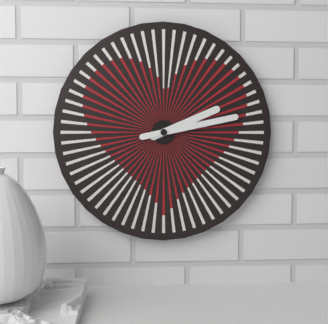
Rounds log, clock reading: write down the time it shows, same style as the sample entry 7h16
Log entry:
2h13
